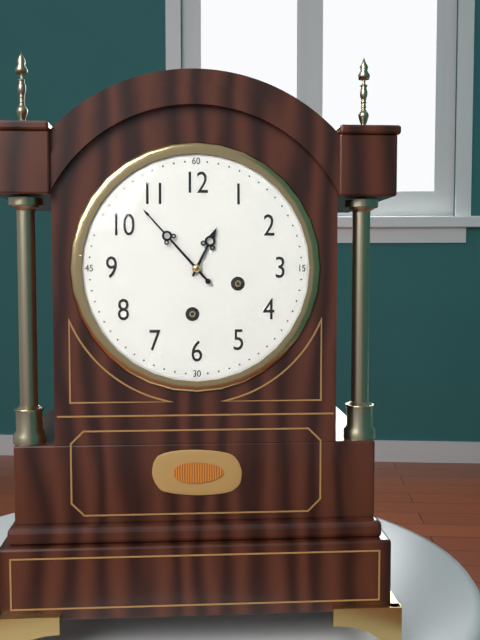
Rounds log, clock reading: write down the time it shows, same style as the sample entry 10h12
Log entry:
12h53
